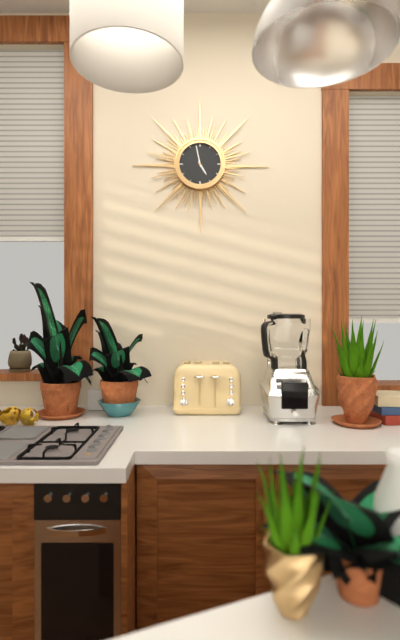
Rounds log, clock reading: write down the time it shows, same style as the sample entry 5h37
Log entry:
4h58
